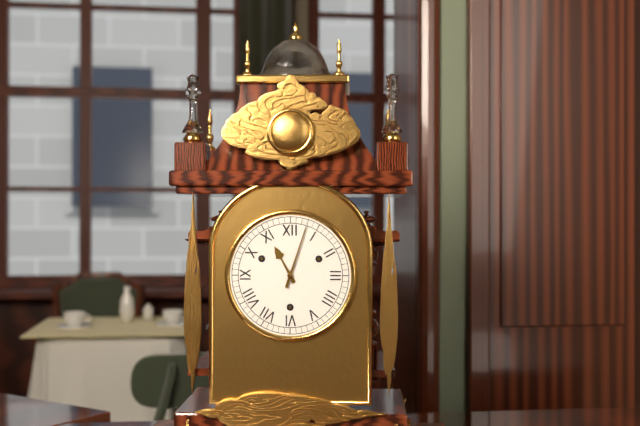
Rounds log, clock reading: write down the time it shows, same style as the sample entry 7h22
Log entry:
11h03
